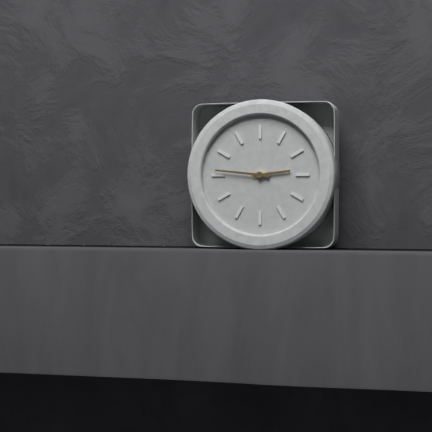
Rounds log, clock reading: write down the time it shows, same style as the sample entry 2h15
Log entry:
2h46
